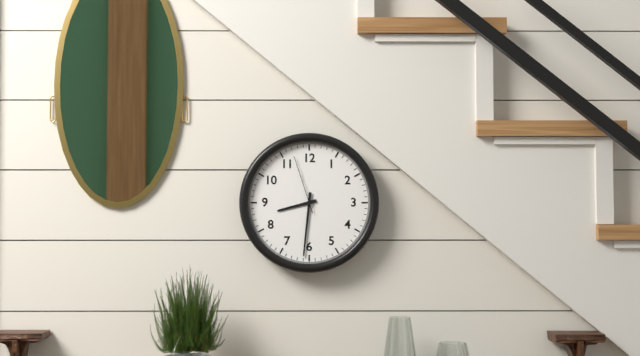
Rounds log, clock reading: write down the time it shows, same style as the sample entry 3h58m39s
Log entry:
8h31m57s
